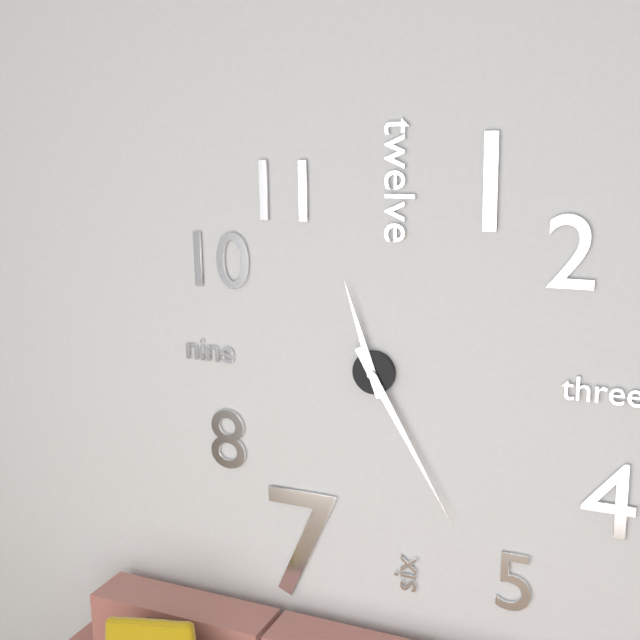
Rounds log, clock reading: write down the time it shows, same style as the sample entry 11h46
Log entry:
11h25
